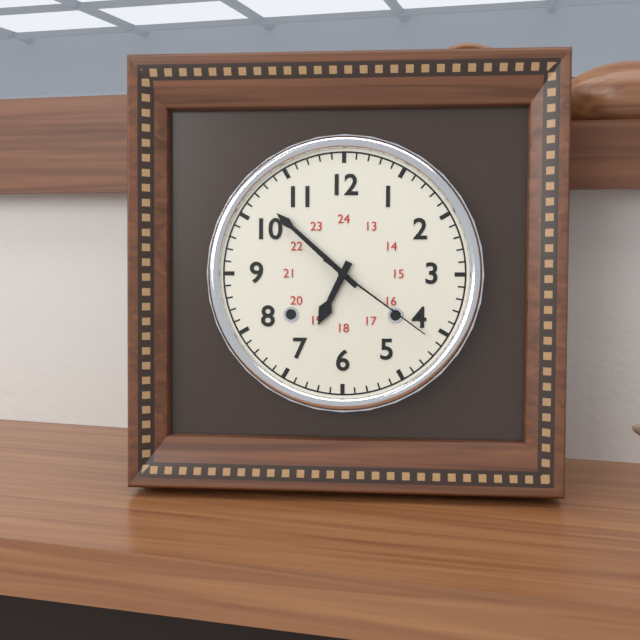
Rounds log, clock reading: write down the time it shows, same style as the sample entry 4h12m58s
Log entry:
6h52m21s
